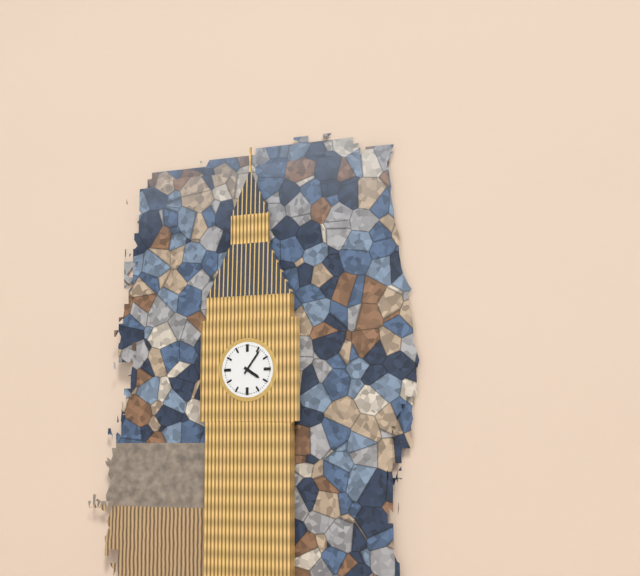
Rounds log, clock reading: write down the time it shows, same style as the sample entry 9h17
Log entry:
4h06
